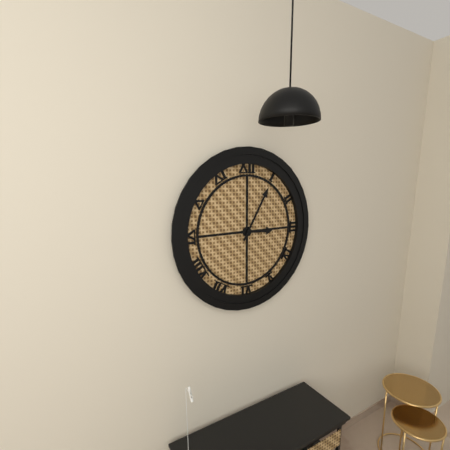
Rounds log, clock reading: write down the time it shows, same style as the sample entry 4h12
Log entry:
3h05
